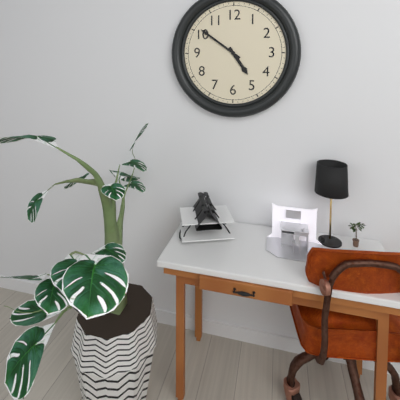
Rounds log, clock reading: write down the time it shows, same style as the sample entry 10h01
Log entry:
4h51
